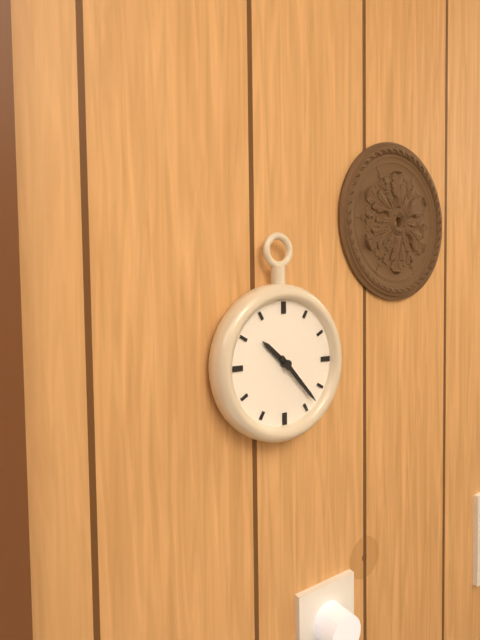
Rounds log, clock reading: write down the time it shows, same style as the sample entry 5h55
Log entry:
10h23
